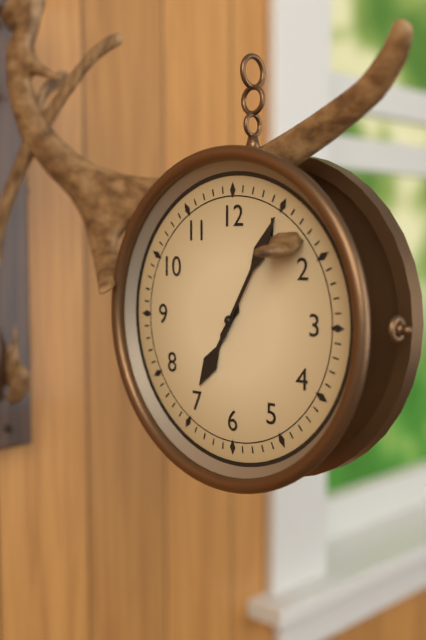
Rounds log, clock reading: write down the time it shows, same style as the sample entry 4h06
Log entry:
7h05
